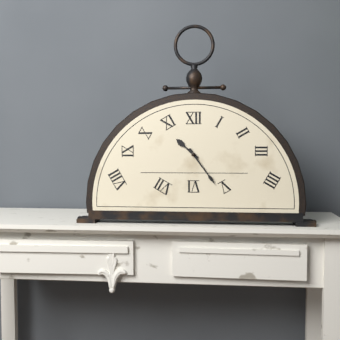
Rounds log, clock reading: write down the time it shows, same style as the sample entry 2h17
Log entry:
10h24
